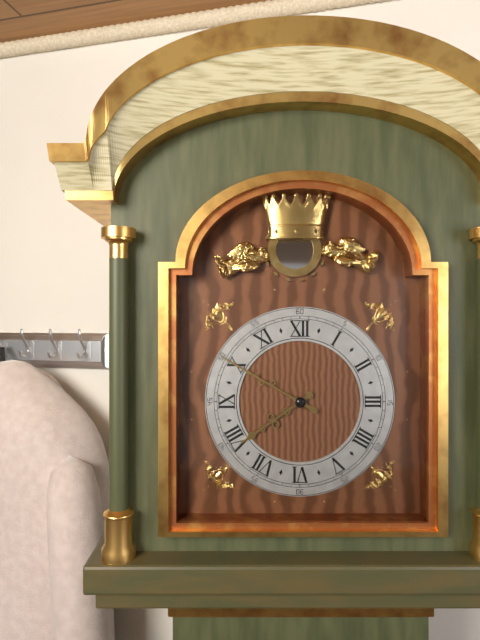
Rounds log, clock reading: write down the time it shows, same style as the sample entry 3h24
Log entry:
7h50
